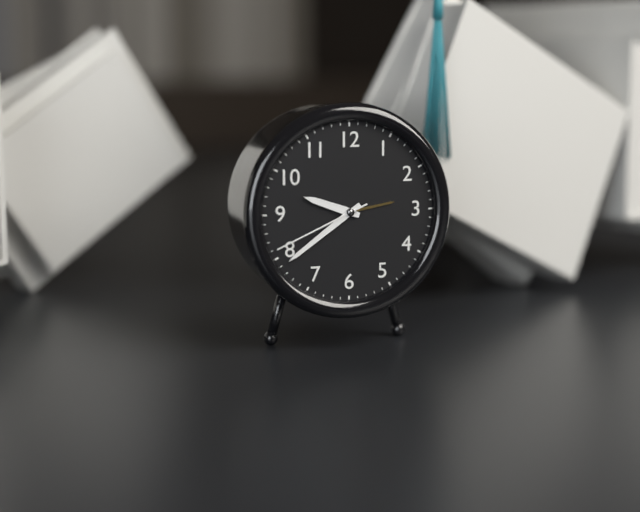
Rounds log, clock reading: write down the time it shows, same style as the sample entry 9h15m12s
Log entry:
9h39m41s
